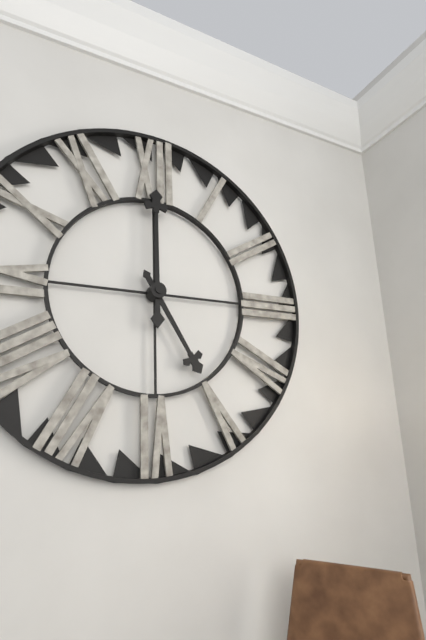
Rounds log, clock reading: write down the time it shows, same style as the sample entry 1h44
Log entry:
5h00
